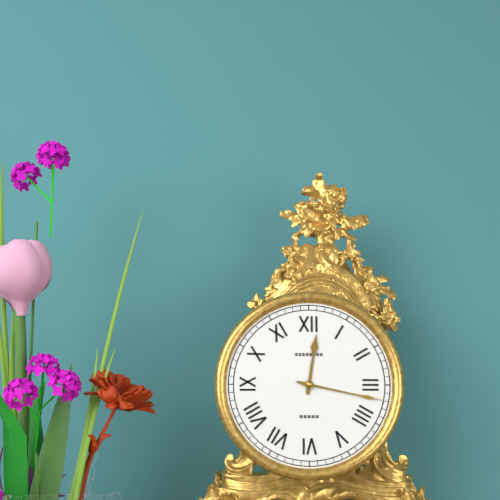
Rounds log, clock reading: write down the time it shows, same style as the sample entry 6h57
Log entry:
12h17
